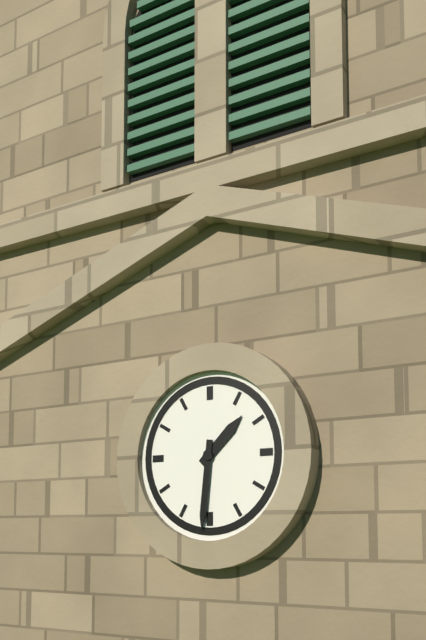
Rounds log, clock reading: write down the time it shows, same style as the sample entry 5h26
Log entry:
1h31
